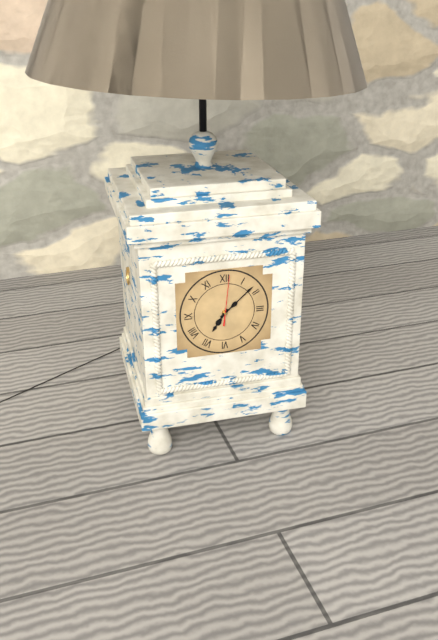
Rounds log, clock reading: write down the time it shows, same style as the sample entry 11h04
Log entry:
7h08
